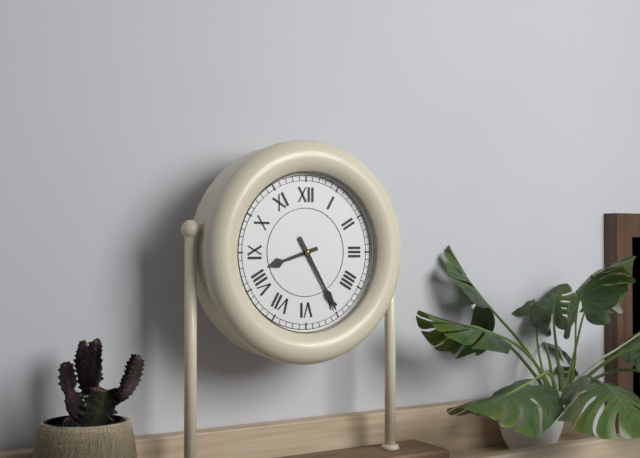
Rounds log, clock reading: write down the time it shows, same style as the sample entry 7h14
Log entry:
8h25
